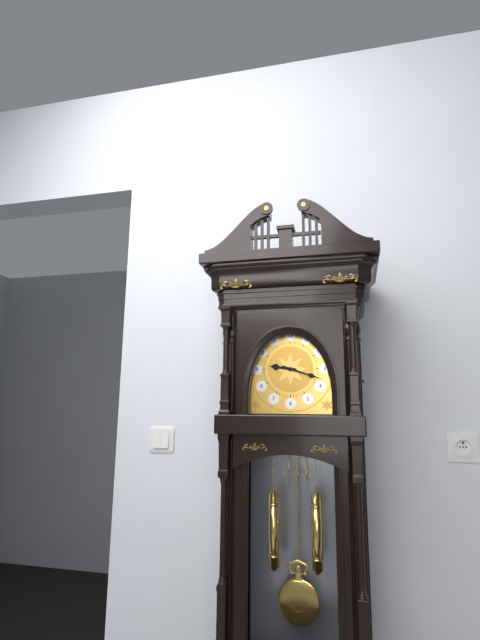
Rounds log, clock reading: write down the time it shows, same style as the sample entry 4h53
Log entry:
9h18
